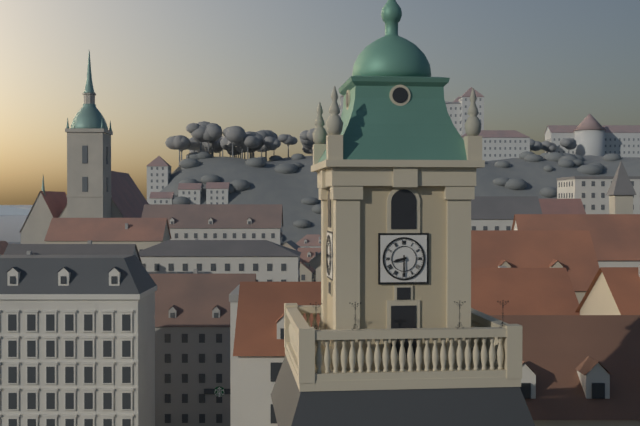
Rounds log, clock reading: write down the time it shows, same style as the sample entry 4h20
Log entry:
8h30
